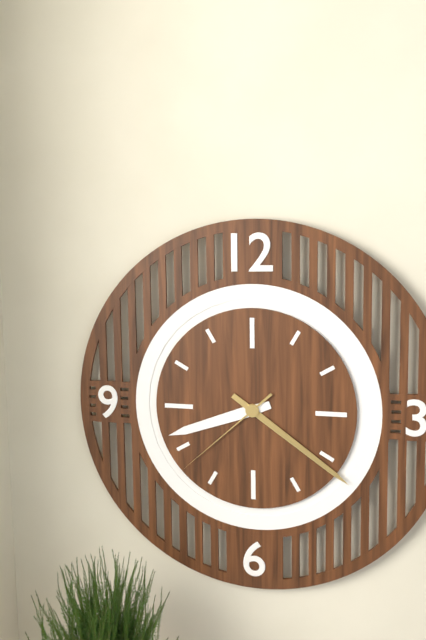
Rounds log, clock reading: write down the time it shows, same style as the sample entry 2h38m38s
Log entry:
8h21m38s
